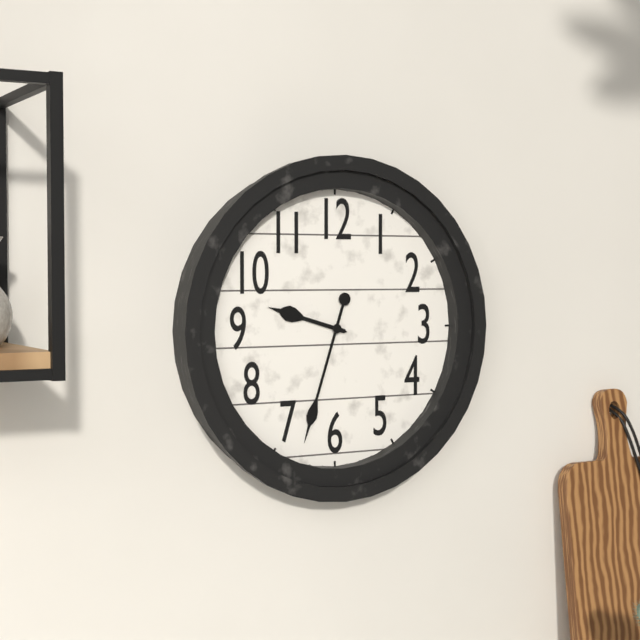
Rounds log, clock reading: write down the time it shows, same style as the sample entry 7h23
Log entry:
9h33
